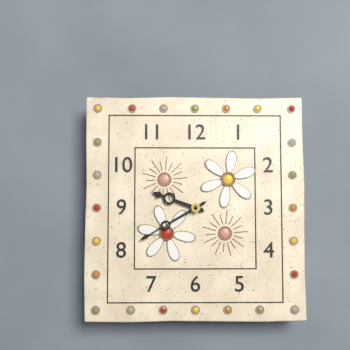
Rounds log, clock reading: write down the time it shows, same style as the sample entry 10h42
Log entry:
9h40
